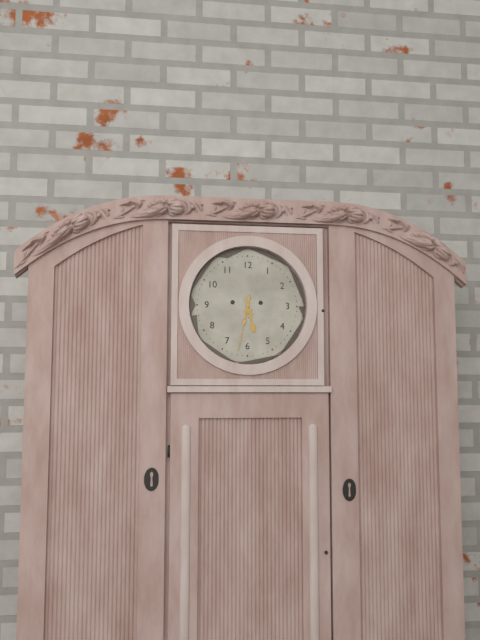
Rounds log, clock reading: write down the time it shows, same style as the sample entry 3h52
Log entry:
5h32
